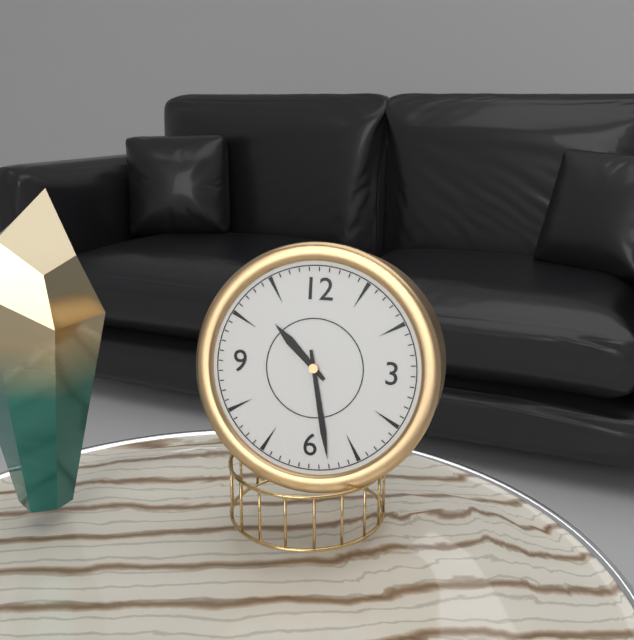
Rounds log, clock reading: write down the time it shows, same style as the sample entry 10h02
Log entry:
10h28
